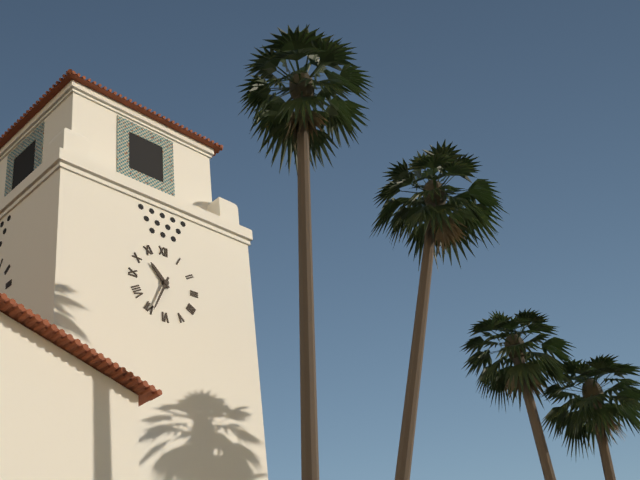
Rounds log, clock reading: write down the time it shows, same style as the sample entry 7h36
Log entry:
10h34
